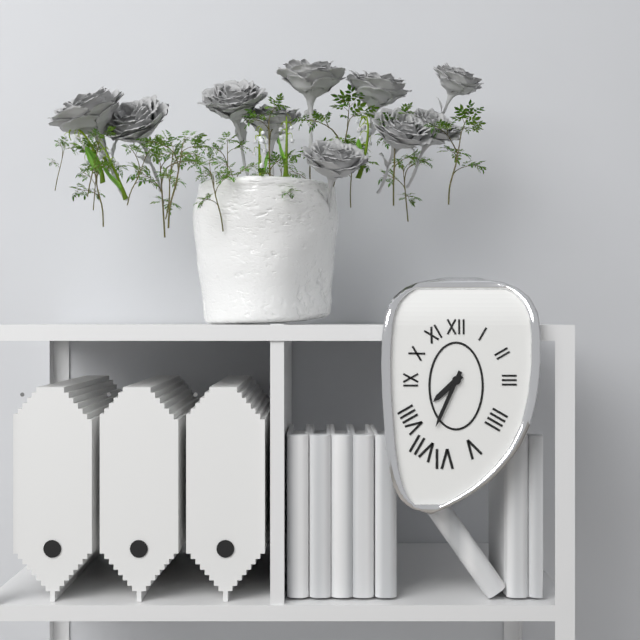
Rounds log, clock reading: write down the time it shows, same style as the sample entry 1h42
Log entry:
7h34
